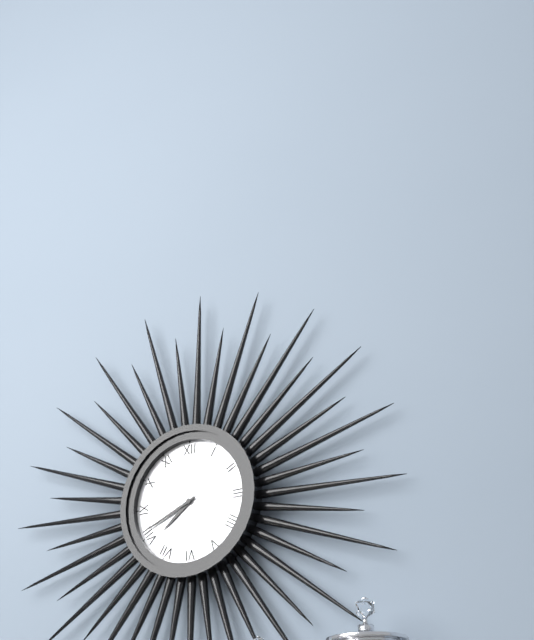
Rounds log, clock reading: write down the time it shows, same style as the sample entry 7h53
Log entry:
7h41
